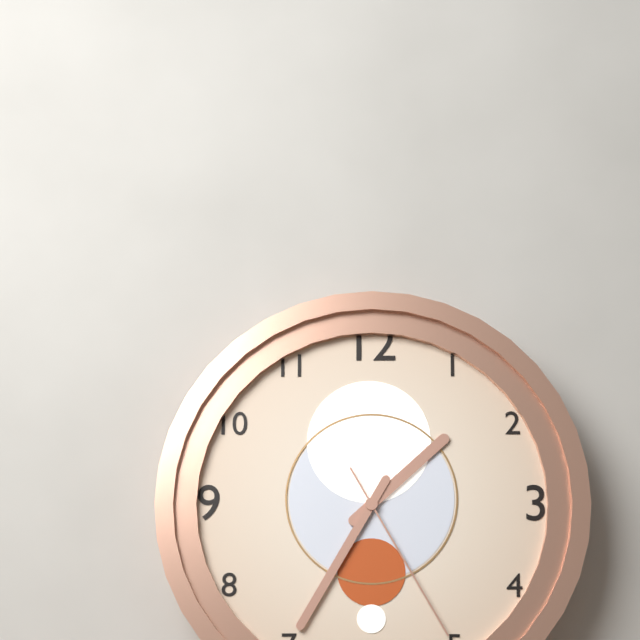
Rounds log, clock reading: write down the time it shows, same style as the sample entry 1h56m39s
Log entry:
1h35m25s
